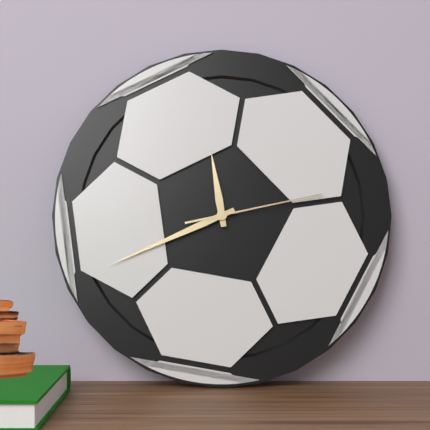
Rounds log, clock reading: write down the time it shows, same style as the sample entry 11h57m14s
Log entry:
11h41m13s
